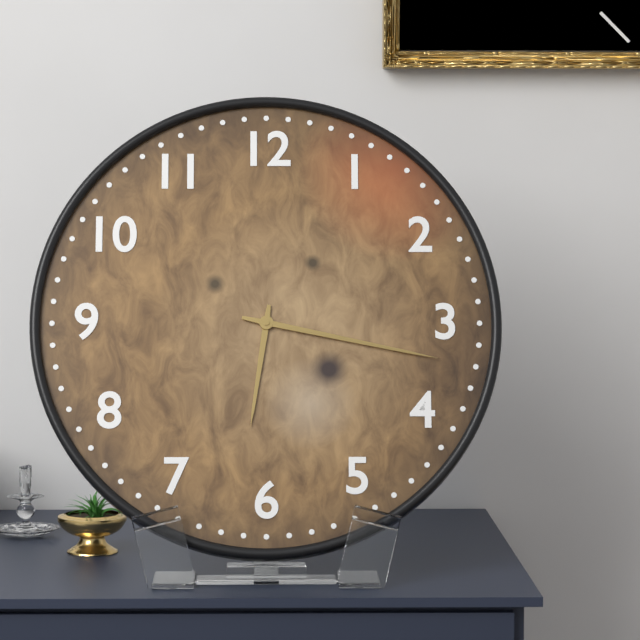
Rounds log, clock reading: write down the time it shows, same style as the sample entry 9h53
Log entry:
6h17
